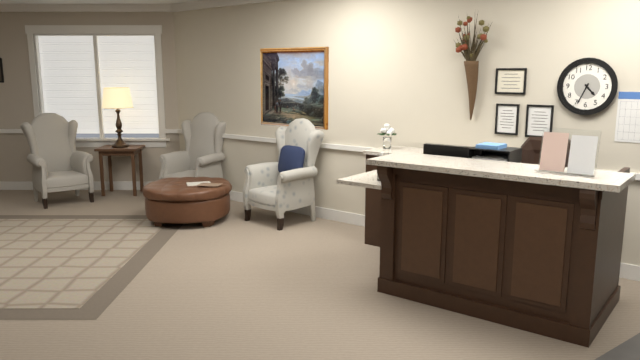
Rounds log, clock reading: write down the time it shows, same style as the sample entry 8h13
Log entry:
4h34
